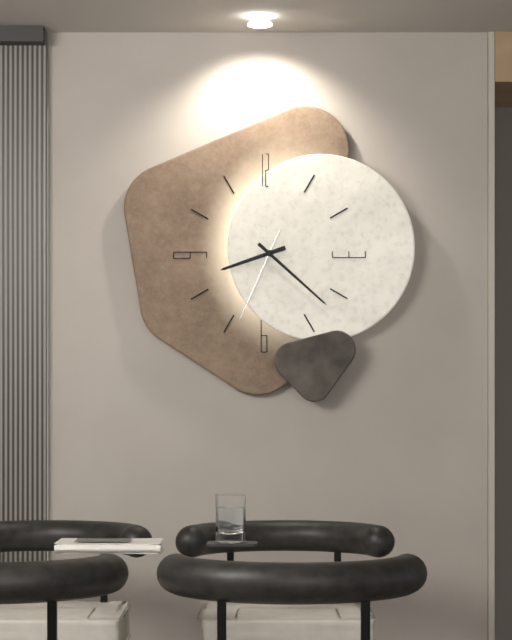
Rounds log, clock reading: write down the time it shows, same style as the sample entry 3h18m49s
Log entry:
8h22m34s
